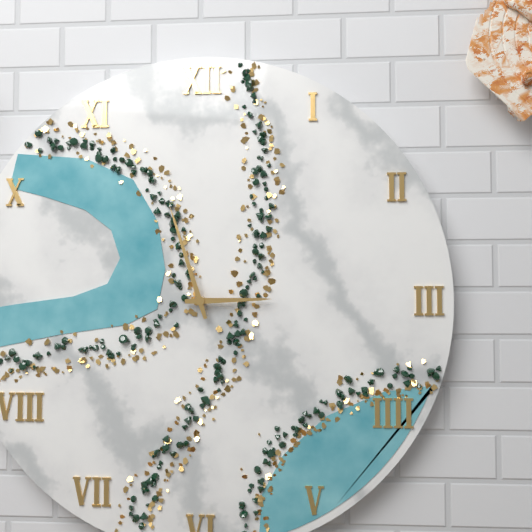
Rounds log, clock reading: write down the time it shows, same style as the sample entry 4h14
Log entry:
2h57
